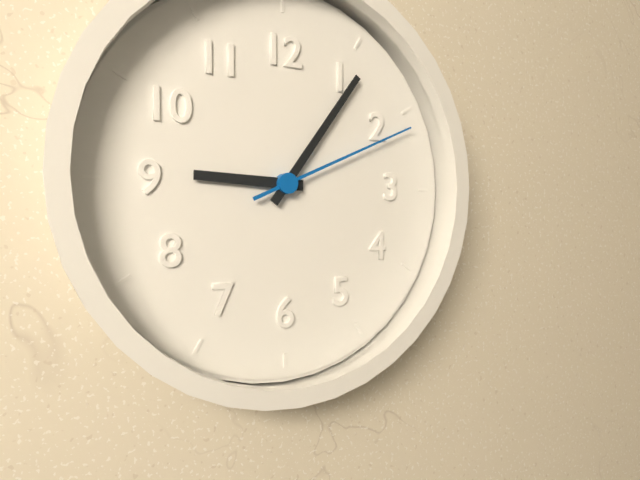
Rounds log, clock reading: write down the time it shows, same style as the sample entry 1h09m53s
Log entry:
9h06m11s
